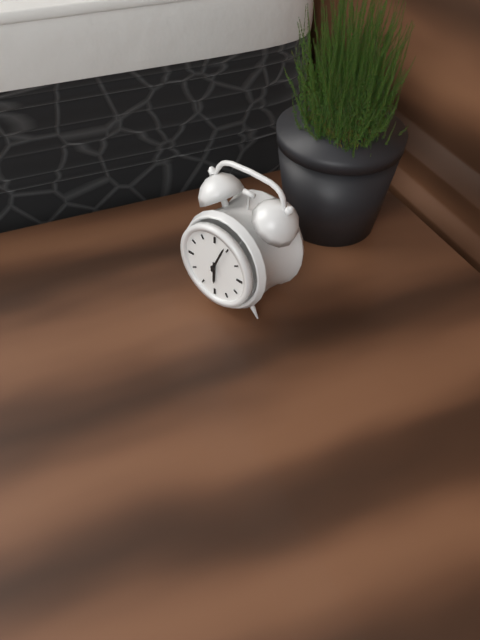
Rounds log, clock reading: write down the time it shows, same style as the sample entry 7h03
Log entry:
6h04
